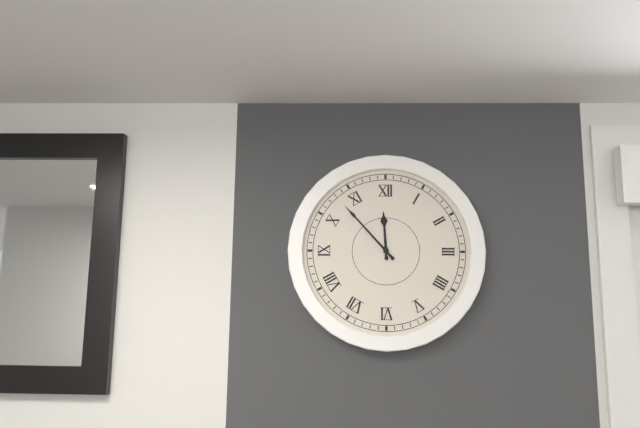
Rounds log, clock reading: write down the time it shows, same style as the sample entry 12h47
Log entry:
11h53
